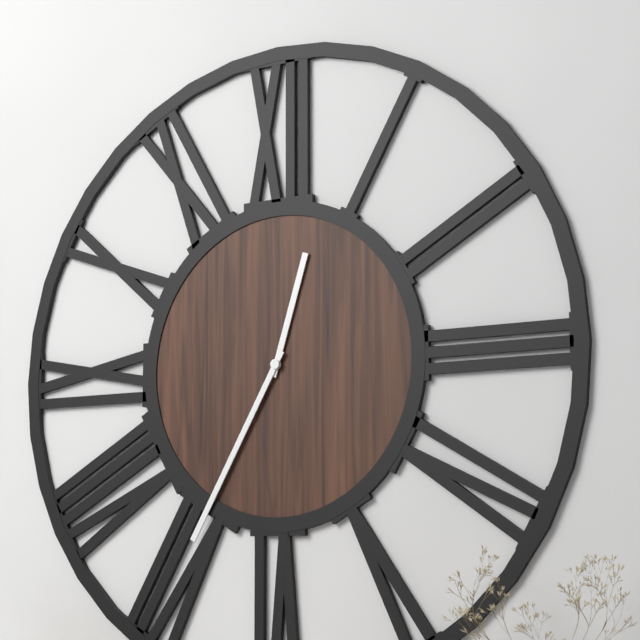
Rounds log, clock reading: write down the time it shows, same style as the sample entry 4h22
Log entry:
12h35
